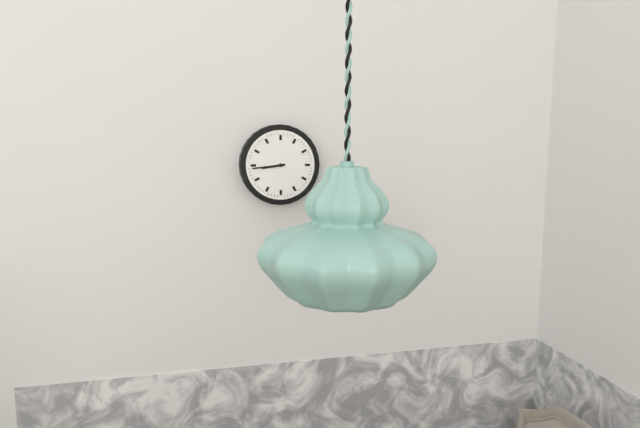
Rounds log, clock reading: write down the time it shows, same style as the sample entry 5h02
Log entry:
8h44
